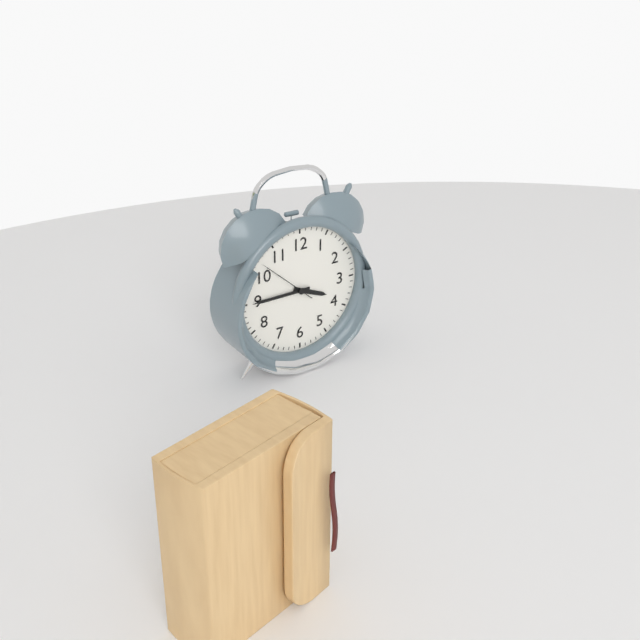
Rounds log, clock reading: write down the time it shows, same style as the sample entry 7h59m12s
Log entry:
3h45m52s
